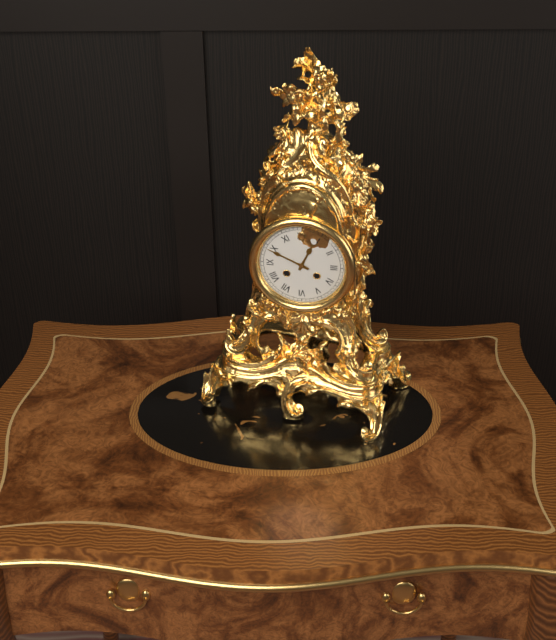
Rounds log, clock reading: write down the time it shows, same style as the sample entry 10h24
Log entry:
12h49
